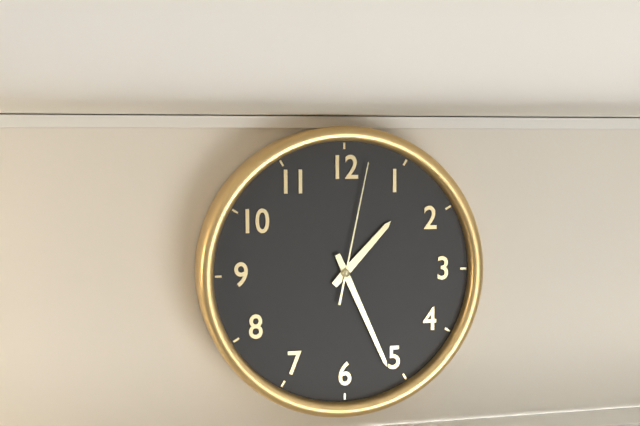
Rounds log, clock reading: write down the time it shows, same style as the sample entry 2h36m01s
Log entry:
1h26m02s
